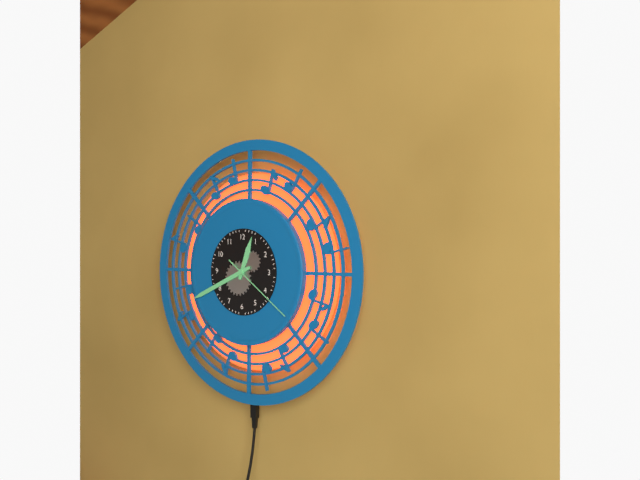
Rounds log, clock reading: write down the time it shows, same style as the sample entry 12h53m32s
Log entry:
12h41m21s
